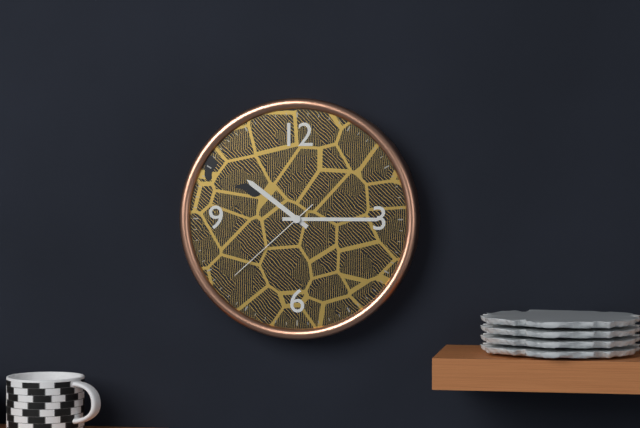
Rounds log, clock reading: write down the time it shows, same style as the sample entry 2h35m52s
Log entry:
10h15m38s
